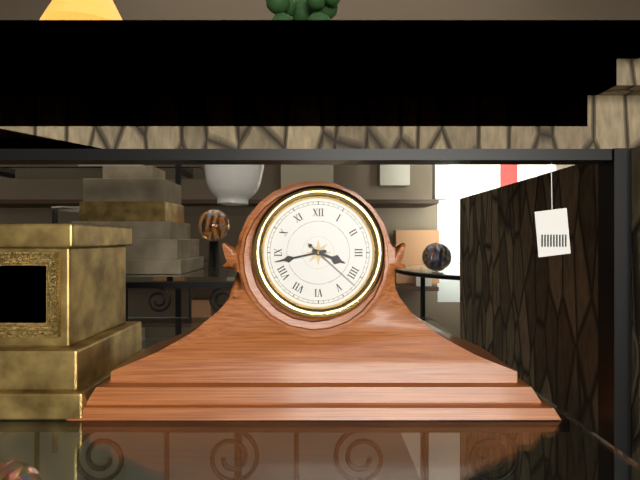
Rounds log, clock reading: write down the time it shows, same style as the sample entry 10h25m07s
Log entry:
3h43m22s
